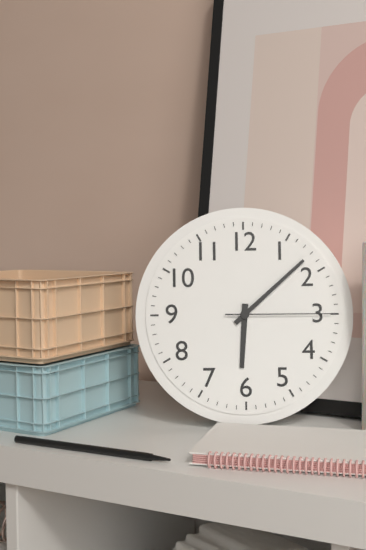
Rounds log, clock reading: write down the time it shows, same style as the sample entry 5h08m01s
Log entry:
6h08m15s
